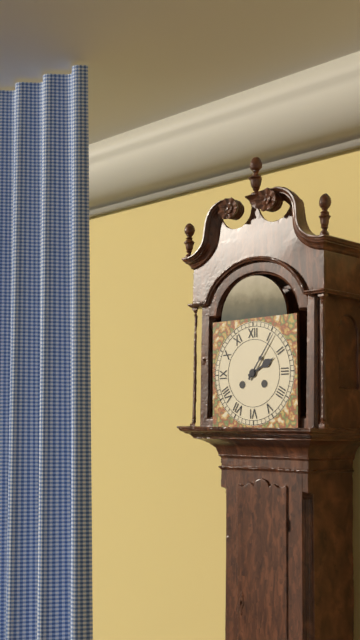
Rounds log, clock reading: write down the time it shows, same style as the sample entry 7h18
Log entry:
2h06
